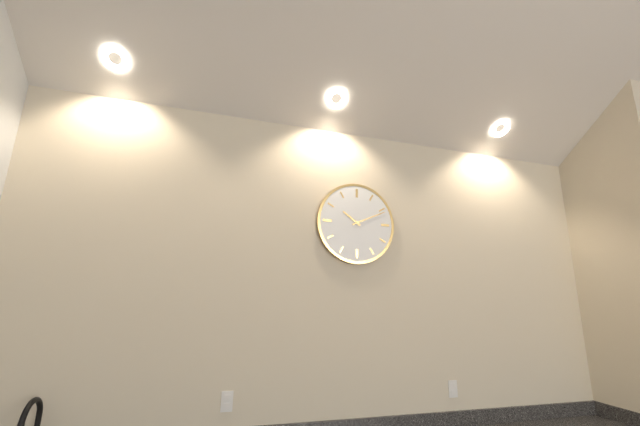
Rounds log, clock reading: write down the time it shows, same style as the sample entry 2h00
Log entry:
10h11
